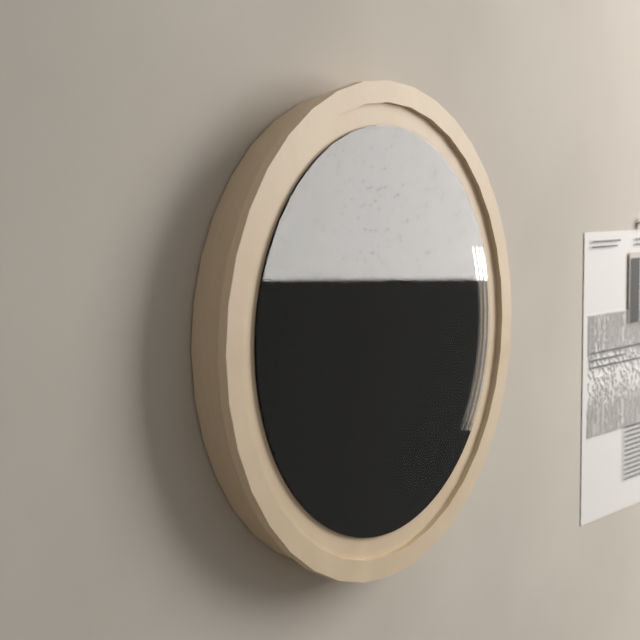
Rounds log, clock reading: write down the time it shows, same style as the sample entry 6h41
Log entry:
3h29
